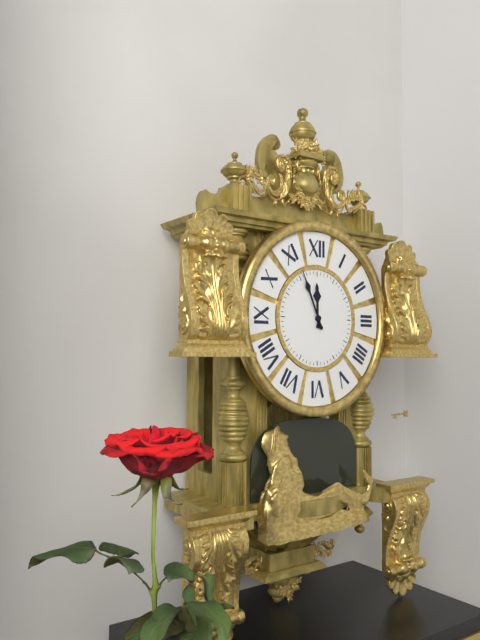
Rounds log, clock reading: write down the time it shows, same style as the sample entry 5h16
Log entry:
11h56
